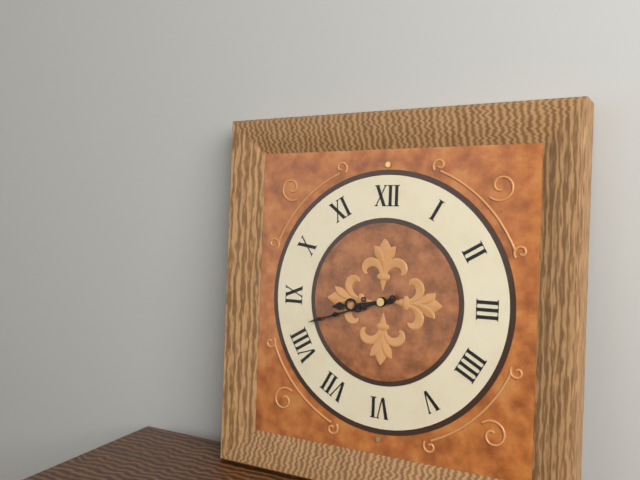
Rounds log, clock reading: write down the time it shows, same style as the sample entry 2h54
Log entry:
8h42
